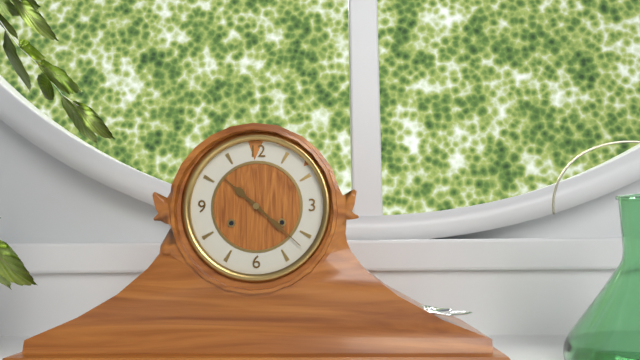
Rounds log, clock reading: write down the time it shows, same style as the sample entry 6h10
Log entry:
10h22
